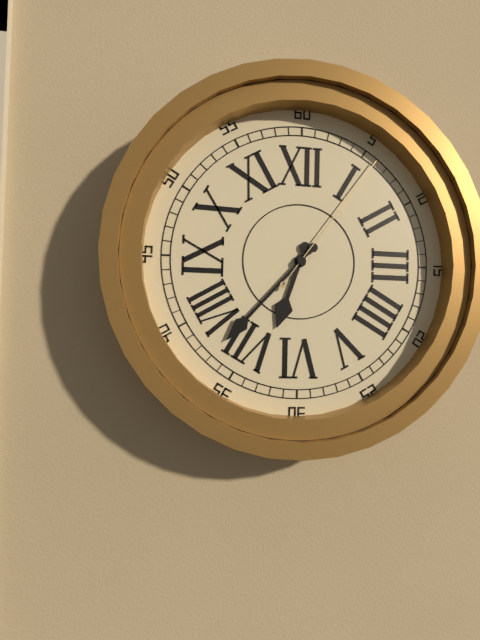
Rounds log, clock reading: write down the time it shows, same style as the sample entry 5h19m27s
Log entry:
6h37m06s
